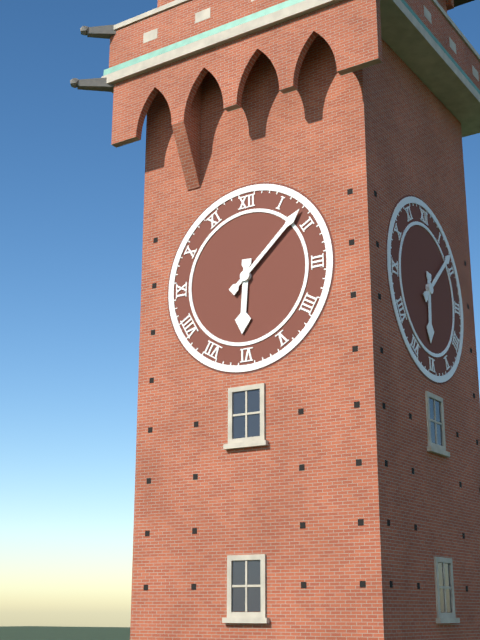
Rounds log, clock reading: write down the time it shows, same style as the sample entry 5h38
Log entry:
6h08
